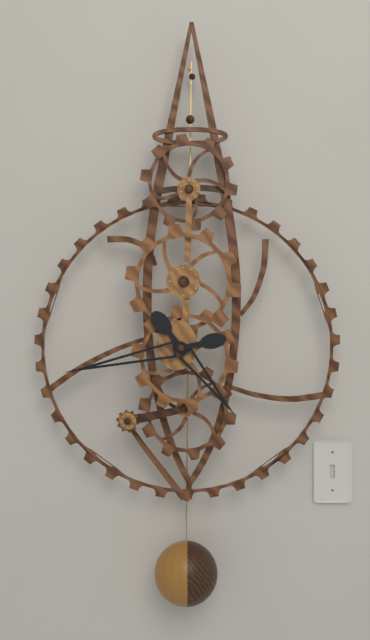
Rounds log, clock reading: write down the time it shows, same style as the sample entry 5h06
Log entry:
4h43
